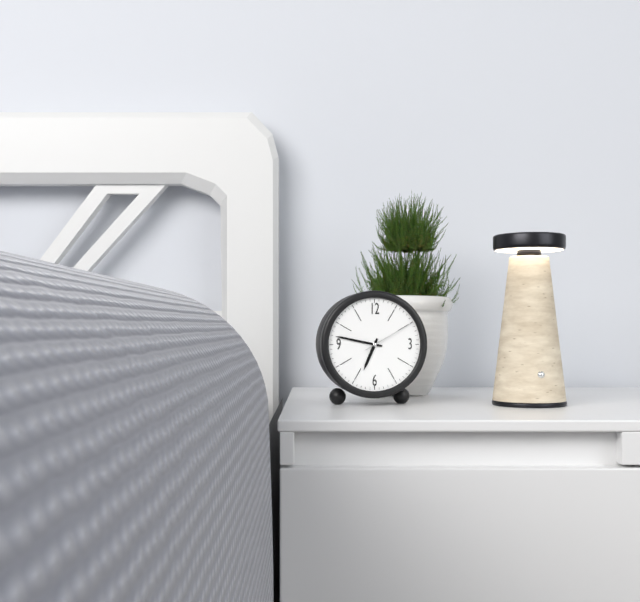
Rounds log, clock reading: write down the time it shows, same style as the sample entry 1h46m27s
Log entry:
6h47m10s
